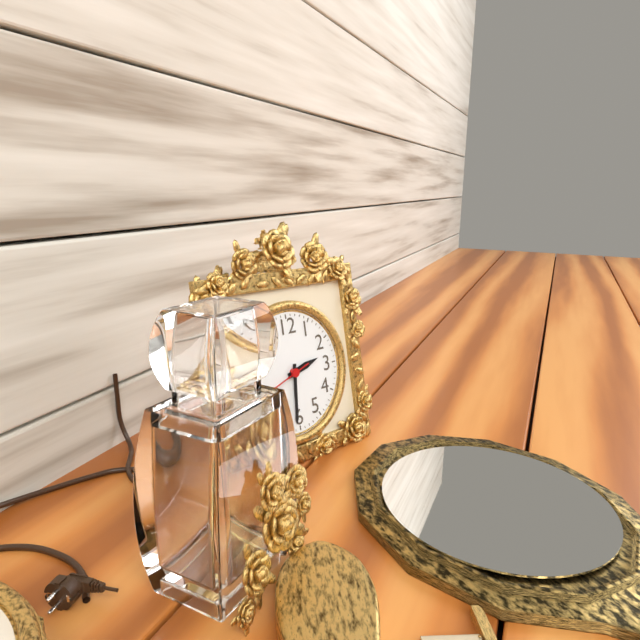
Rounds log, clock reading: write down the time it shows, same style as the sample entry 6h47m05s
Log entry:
2h31m42s
